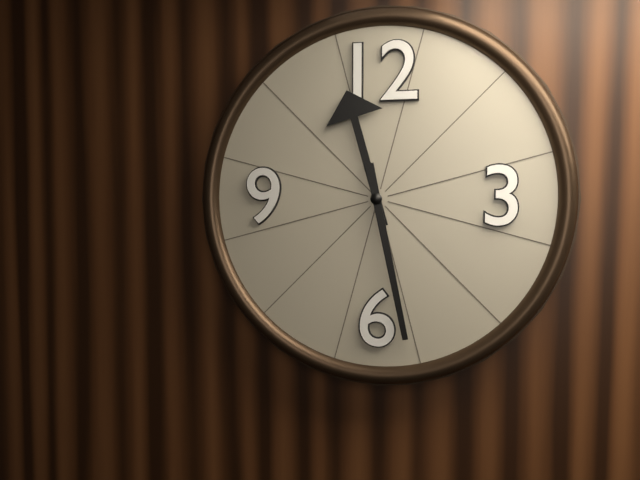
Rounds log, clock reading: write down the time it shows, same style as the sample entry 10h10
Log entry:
11h28
